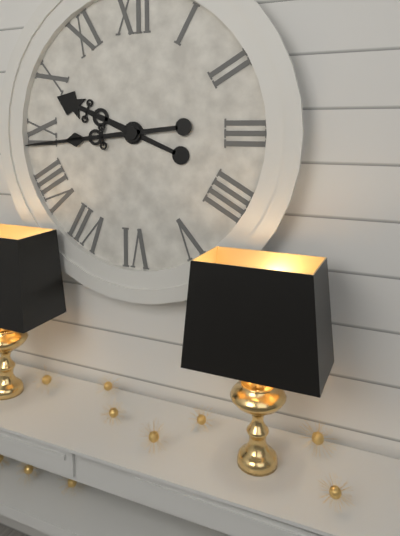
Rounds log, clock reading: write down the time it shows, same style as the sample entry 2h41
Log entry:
9h44
